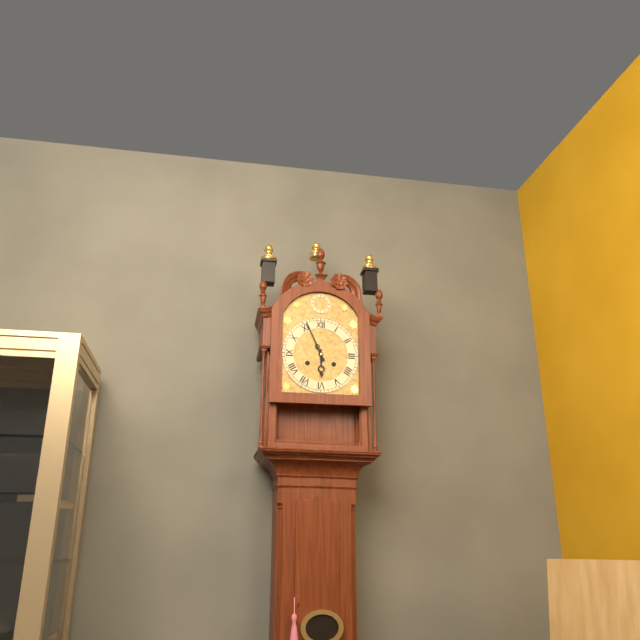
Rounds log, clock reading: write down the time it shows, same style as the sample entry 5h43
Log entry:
5h56
